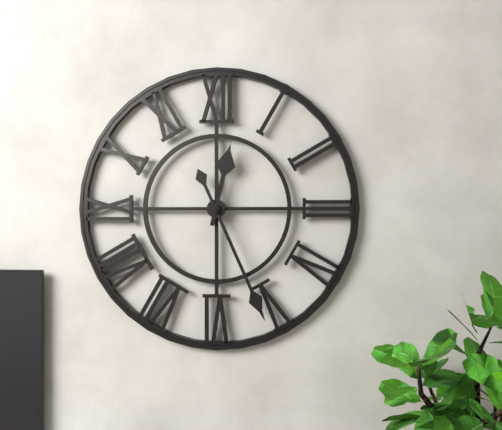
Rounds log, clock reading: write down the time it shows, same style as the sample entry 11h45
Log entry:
12h26
